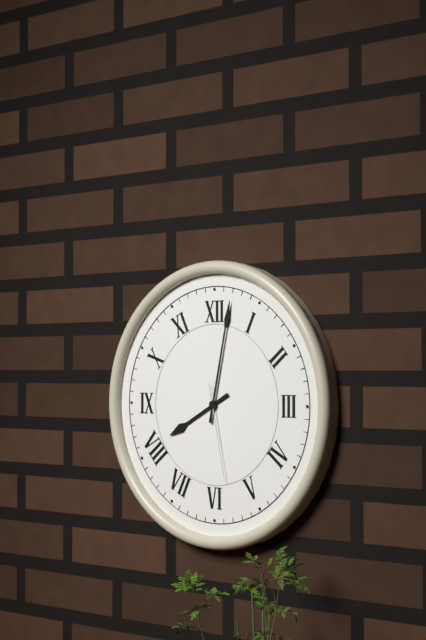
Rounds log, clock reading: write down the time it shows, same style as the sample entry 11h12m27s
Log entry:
8h02m28s
